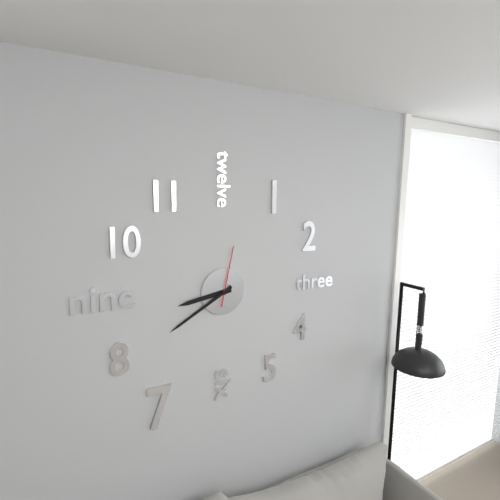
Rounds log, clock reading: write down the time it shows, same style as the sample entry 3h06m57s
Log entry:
8h40m02s
